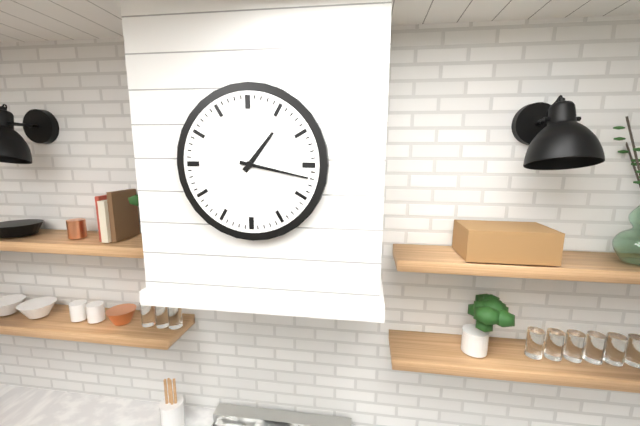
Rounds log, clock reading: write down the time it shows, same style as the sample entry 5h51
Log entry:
1h17
